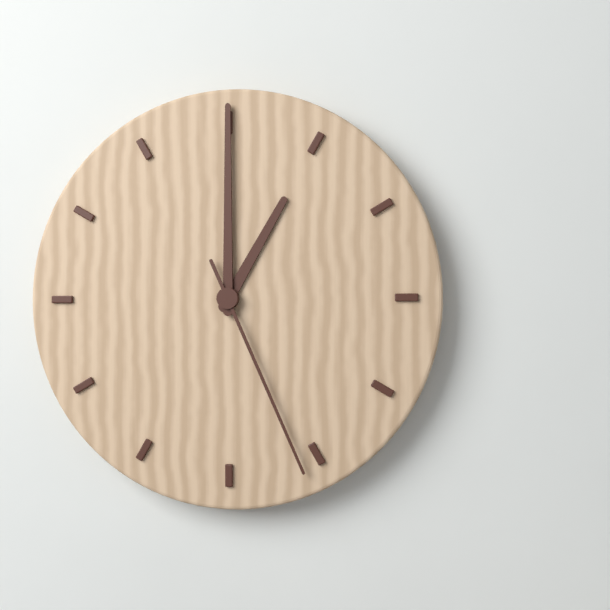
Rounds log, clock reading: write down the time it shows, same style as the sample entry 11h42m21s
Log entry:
1h00m26s
